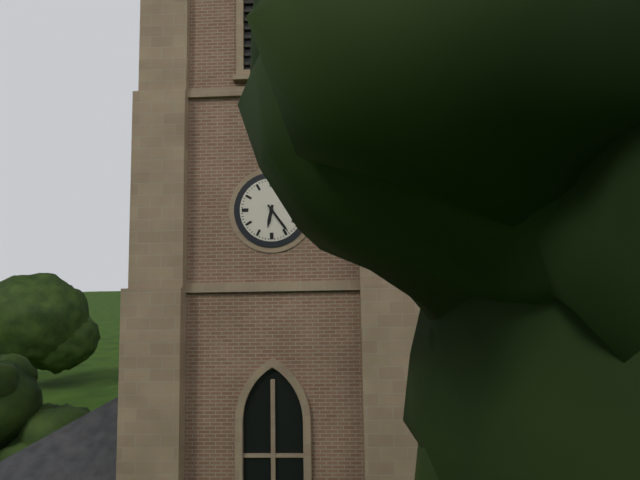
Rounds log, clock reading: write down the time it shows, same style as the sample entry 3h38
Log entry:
6h24
